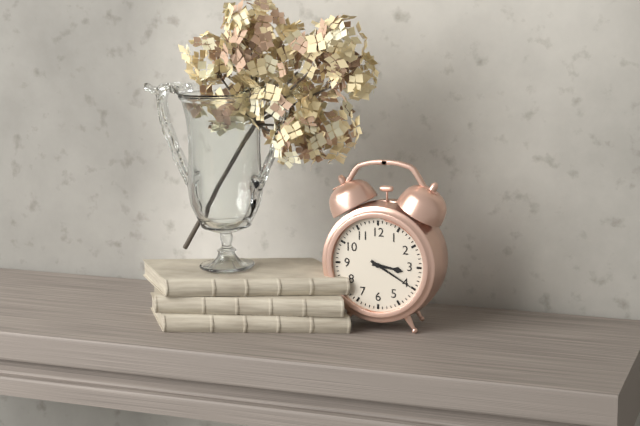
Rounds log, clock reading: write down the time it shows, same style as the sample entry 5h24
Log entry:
3h20
